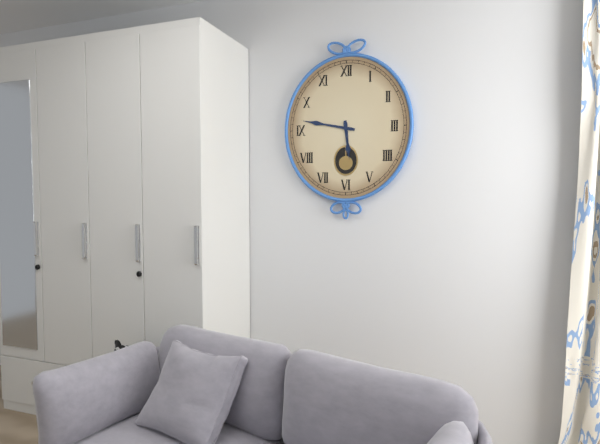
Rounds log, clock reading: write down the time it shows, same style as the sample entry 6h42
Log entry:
5h47
